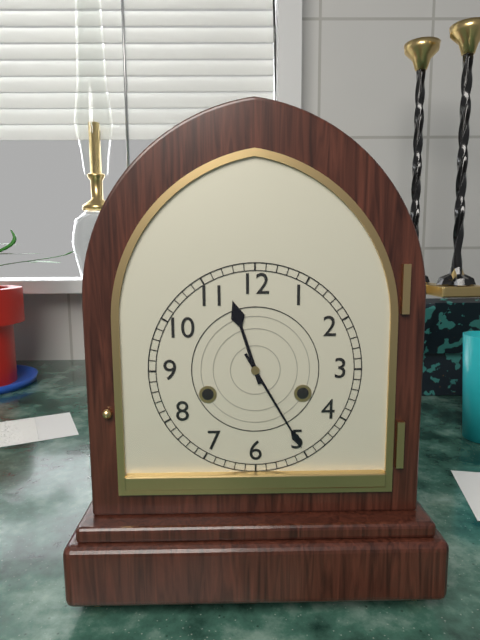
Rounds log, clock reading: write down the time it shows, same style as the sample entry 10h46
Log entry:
11h25
